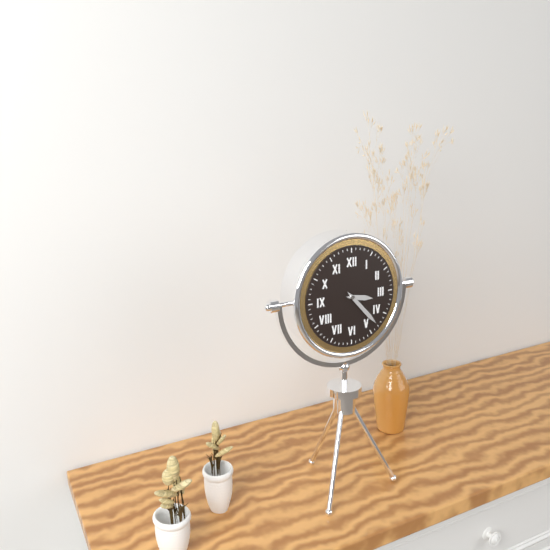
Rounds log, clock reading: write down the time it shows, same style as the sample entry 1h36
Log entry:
3h23
